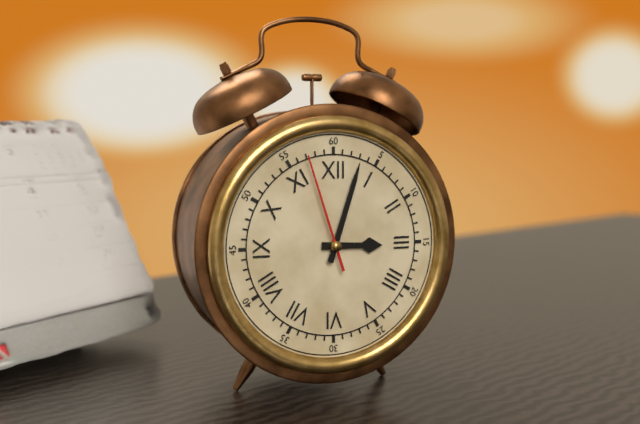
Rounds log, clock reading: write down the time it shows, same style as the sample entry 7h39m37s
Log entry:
3h03m57s
